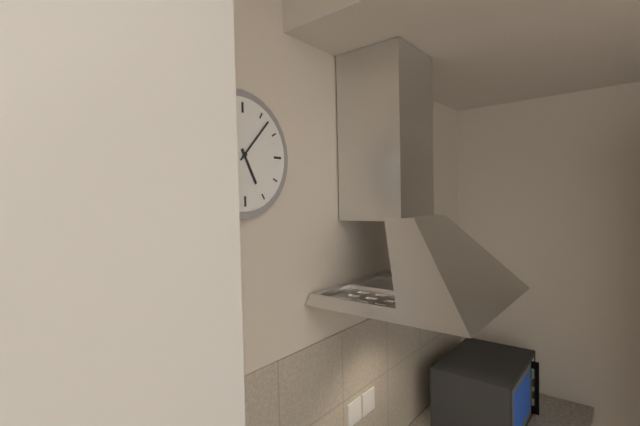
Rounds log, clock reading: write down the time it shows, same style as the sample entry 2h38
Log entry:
5h07
